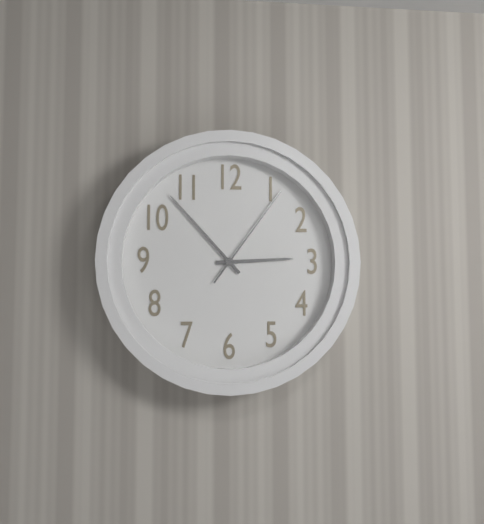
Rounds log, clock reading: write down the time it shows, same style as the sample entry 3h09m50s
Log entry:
2h53m06s
